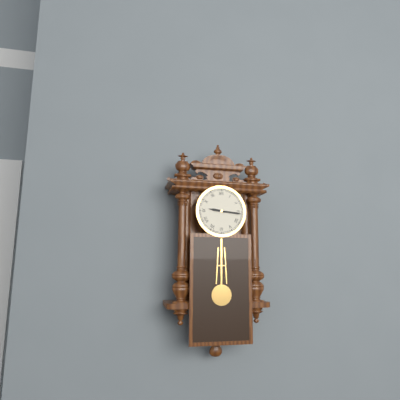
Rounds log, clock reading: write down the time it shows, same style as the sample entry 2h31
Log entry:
9h16
